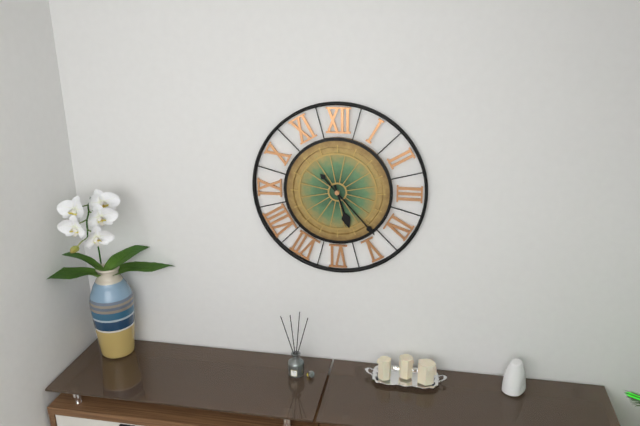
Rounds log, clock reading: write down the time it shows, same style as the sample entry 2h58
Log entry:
5h23
